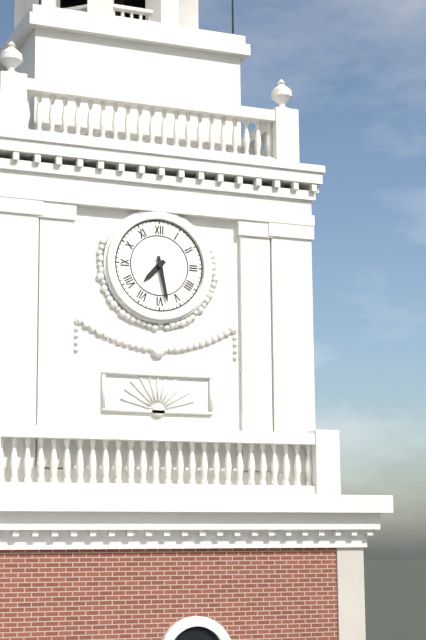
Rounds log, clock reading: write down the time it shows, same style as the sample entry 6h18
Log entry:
7h28
